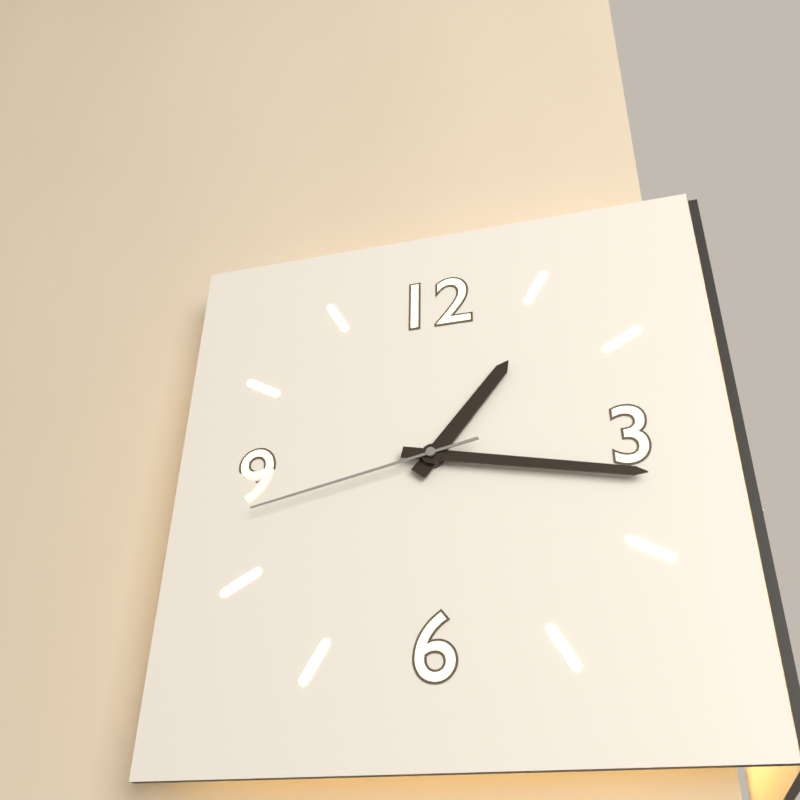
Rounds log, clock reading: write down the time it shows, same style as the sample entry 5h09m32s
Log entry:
1h17m43s
